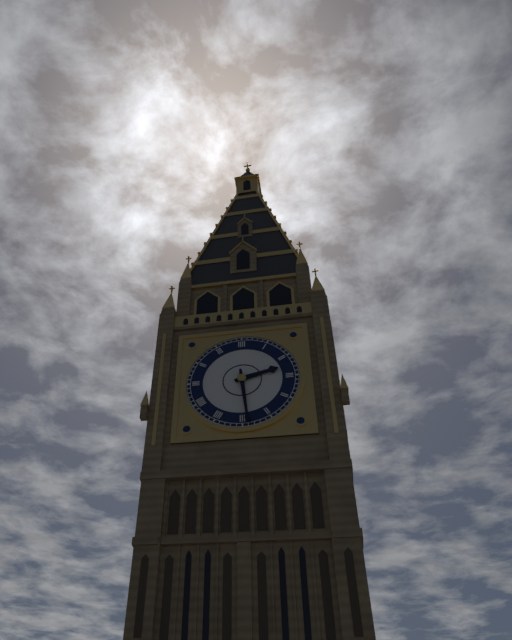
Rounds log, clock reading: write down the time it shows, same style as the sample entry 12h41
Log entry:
2h29
